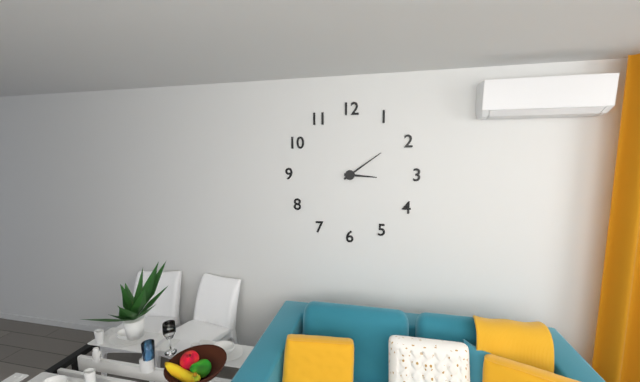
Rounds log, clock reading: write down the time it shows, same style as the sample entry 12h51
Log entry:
3h09
